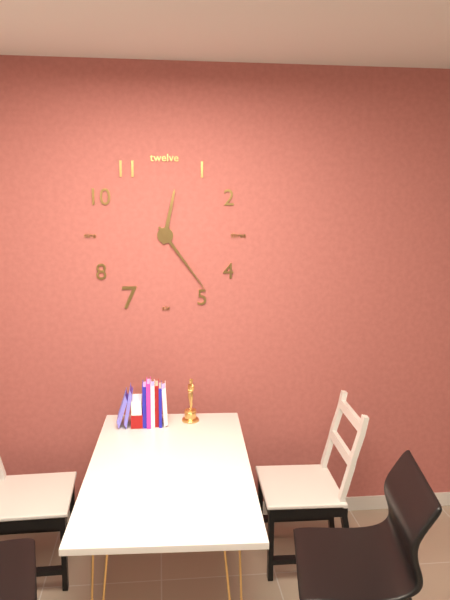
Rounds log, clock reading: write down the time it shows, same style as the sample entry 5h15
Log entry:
12h24
